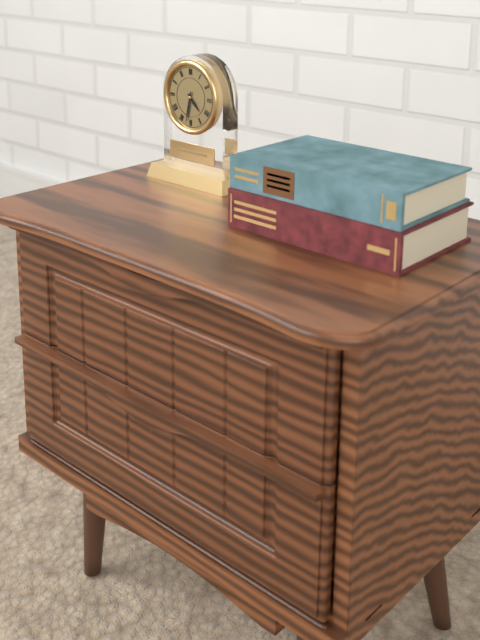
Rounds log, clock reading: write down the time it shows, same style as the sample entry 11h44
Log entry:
4h32
